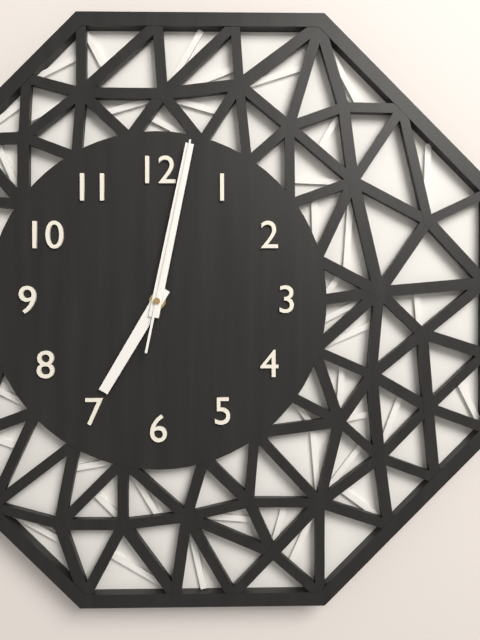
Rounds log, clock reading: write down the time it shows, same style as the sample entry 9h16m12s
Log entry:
7h02m02s
